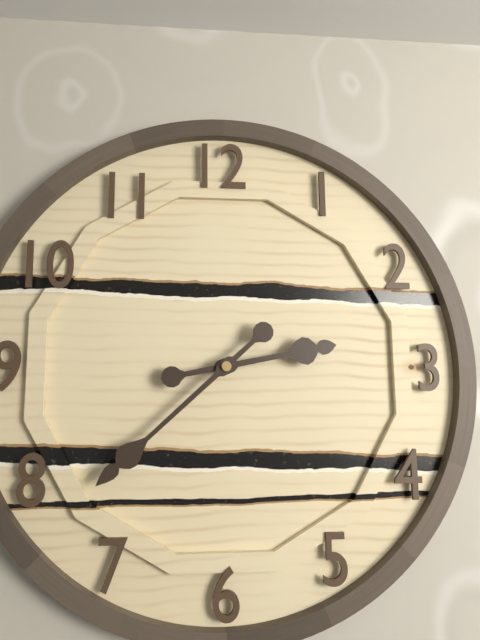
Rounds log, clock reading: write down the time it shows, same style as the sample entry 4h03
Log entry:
2h38
